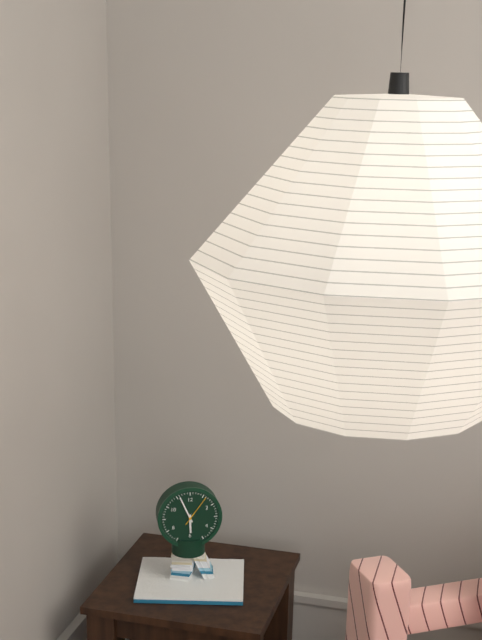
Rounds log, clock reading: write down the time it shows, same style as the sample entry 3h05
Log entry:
5h56
